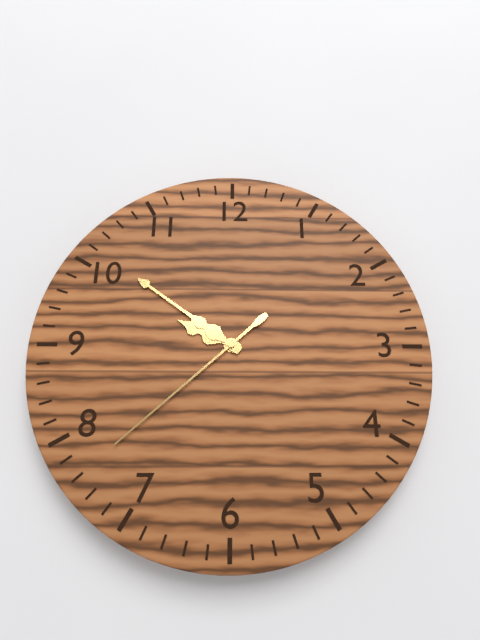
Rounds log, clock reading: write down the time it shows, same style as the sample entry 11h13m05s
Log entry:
9h51m38s
